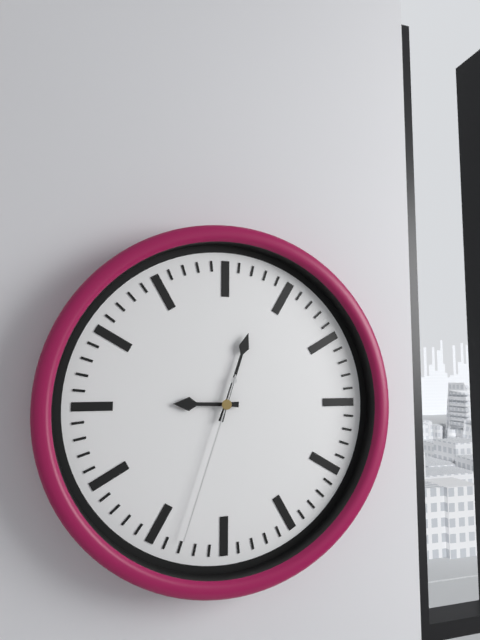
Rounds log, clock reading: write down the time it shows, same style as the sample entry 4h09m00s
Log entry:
9h03m33s
